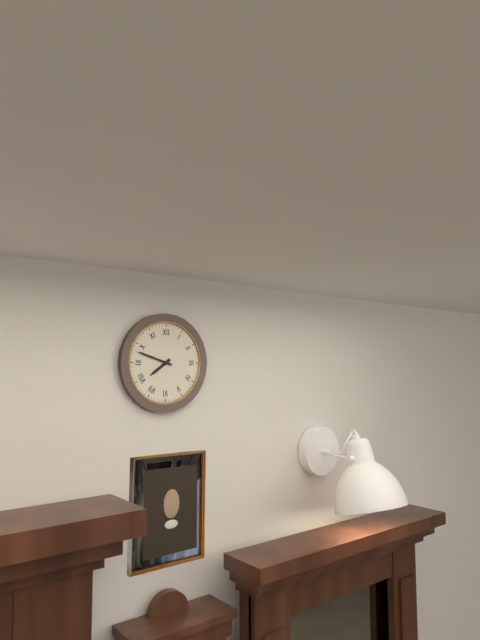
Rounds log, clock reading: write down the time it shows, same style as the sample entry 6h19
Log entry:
7h48
